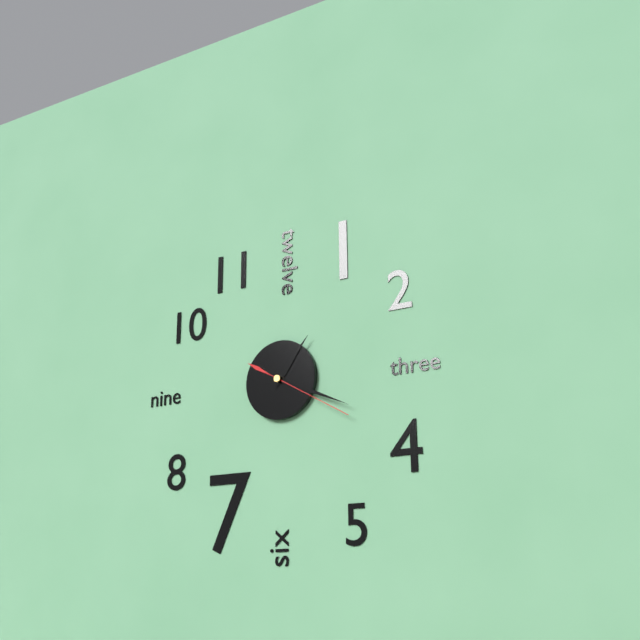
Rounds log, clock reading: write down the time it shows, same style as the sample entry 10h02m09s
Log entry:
1h19m20s
